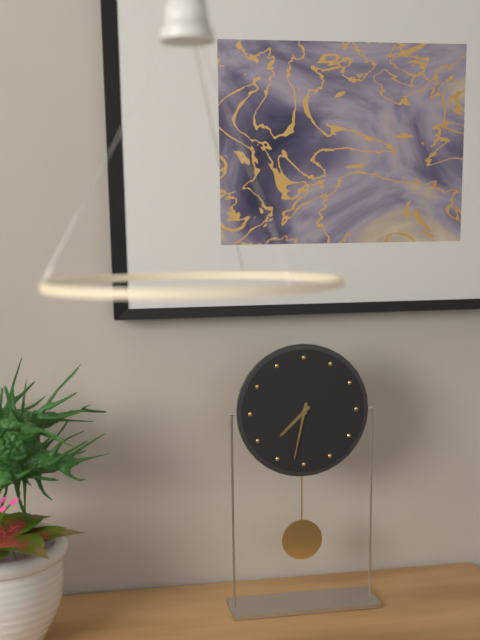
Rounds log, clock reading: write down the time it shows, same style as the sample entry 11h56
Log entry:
7h32
